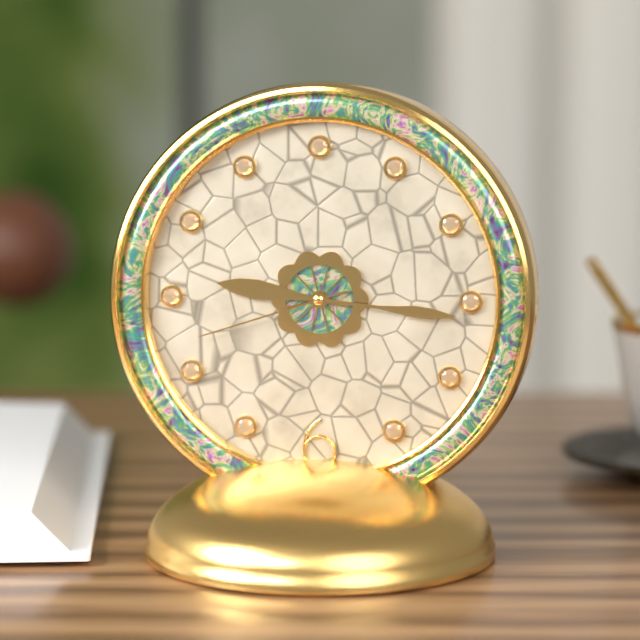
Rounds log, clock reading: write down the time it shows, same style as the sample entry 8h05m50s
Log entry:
9h16m42s
